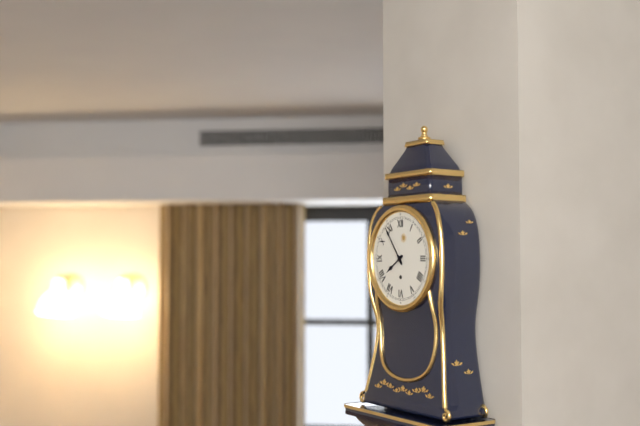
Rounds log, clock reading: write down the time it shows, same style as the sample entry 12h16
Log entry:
7h54
